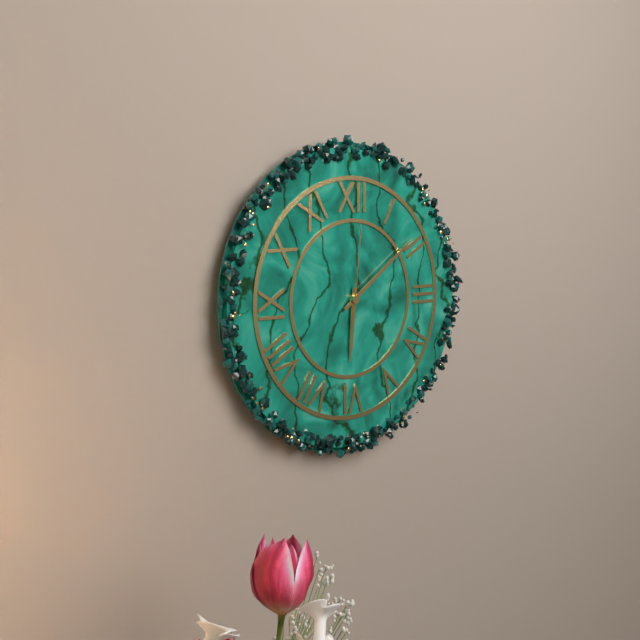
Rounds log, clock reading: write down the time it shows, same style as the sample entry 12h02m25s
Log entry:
6h09m01s
